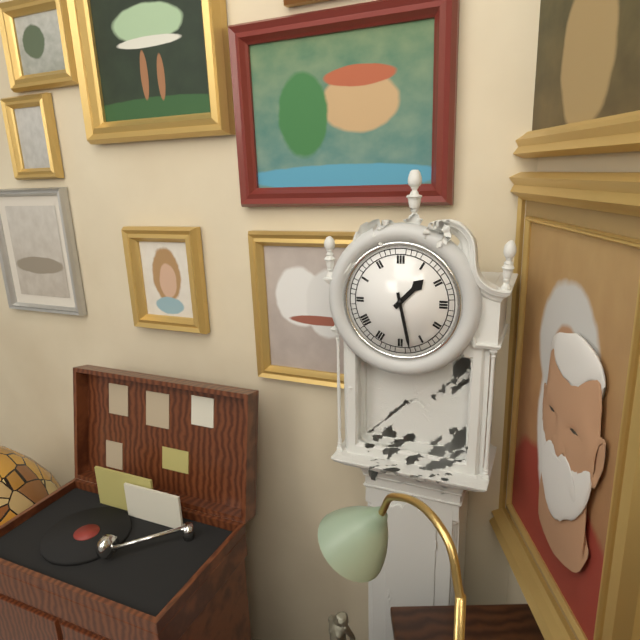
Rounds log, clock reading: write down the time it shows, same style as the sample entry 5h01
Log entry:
1h28
